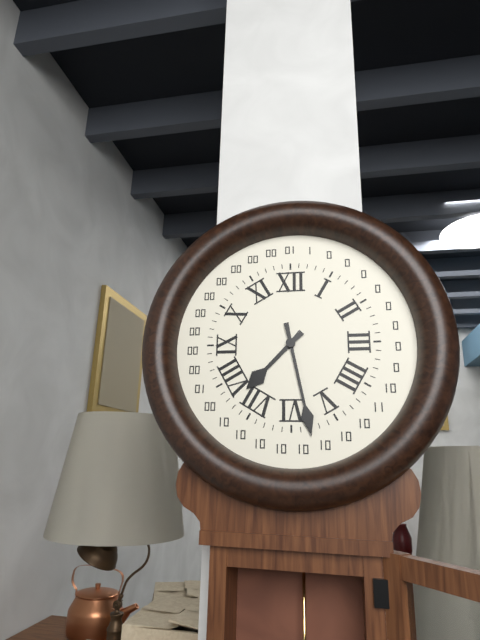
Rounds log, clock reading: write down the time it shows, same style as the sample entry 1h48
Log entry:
7h28
